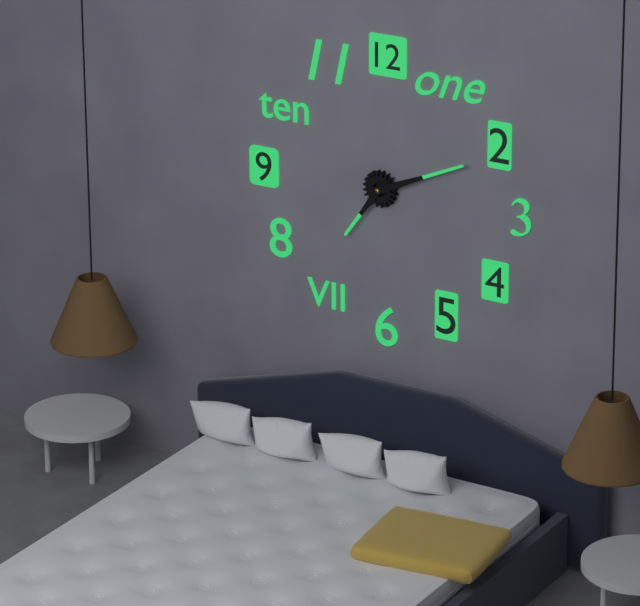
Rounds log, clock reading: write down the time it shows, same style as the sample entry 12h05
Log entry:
7h11
